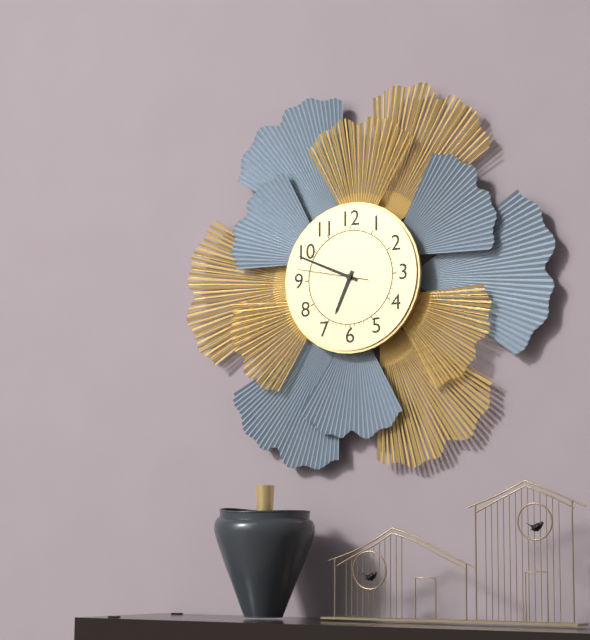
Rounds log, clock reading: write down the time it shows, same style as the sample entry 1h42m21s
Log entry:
6h49m47s
